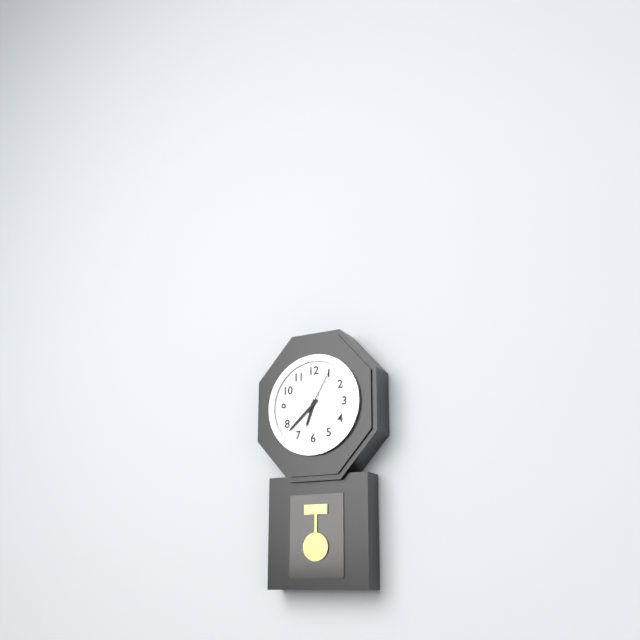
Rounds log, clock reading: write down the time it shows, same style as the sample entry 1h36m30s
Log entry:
6h38m05s
